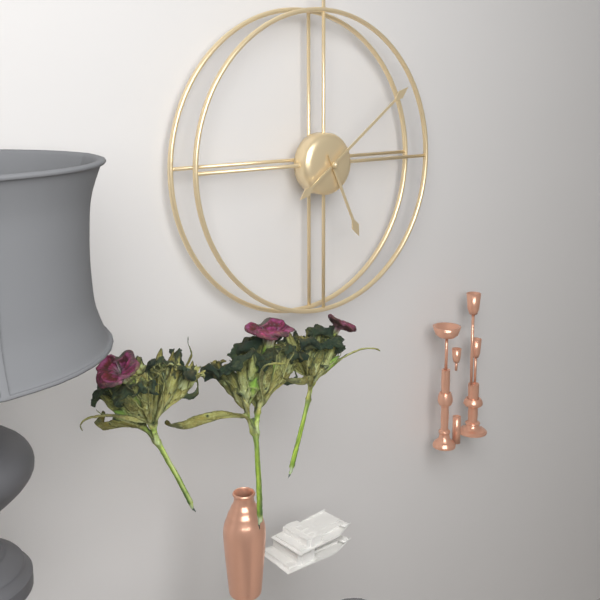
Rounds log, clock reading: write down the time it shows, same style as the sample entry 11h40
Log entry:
5h09
